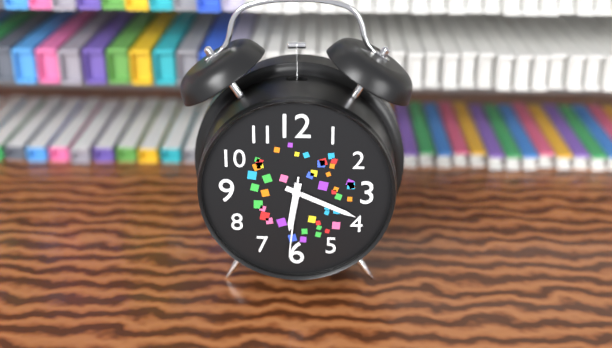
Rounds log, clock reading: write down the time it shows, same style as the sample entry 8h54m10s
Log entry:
6h19m31s
